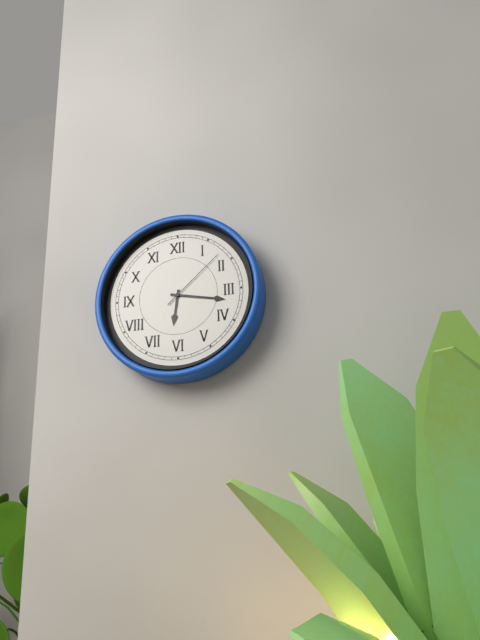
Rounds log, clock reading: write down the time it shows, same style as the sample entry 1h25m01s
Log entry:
6h17m08s
